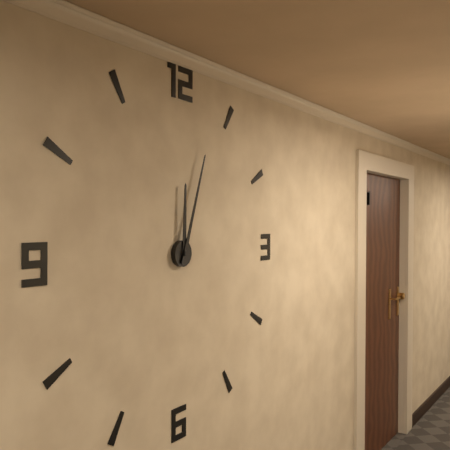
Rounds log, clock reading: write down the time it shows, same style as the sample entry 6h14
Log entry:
12h03
